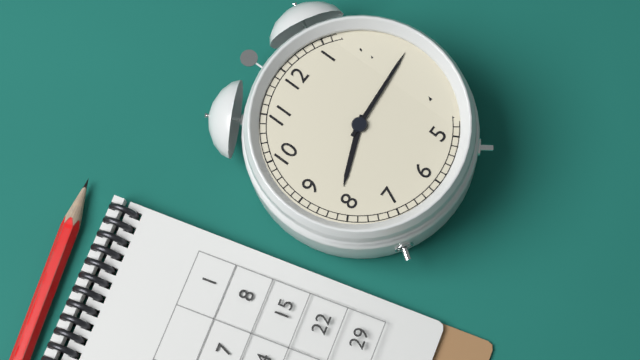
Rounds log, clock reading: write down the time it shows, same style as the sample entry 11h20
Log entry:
8h14
